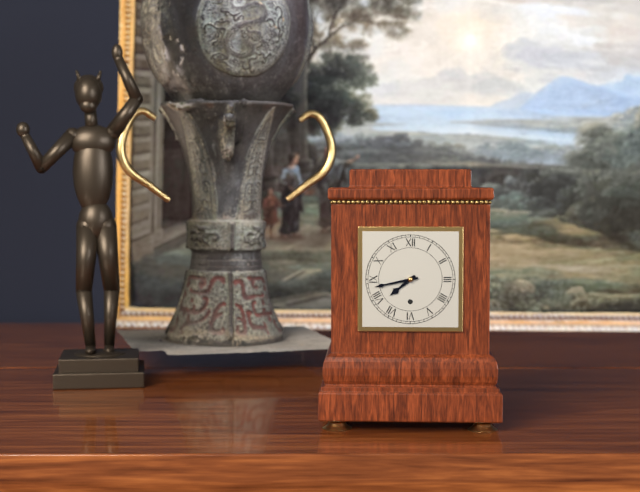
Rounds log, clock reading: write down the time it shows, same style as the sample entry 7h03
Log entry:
7h43
